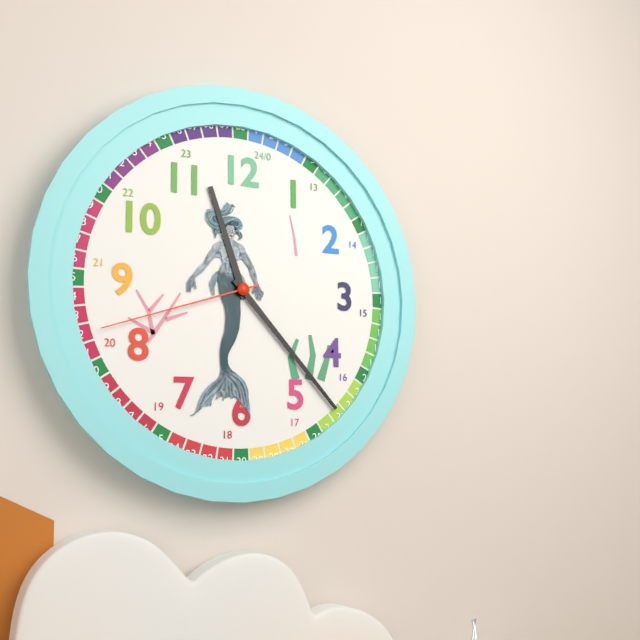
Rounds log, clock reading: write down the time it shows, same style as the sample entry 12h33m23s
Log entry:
11h23m42s
